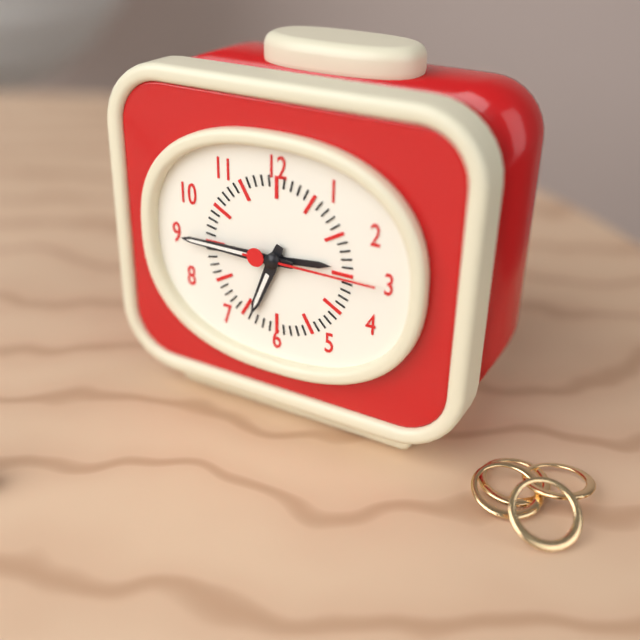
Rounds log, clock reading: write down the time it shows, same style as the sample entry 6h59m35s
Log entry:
6h45m15s
